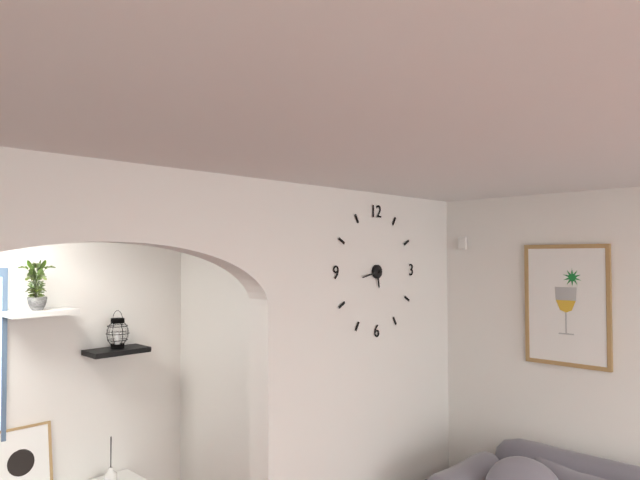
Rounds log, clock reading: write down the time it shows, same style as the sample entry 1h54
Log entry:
5h43
